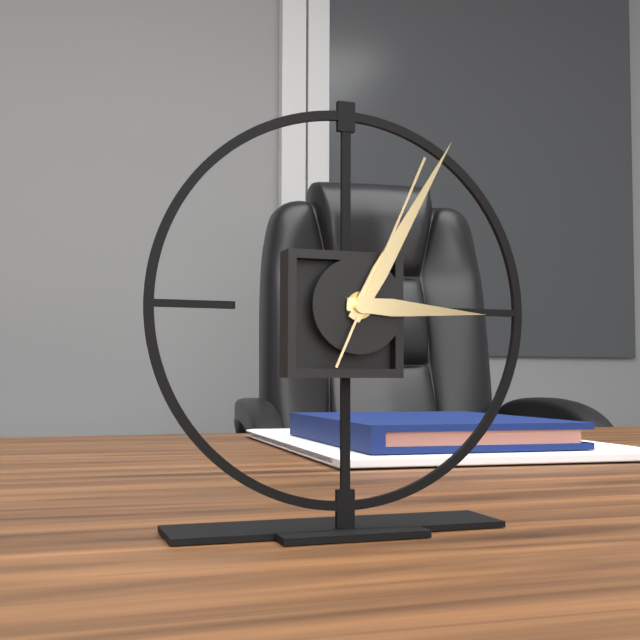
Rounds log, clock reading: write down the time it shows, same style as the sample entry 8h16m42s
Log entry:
3h05m04s
